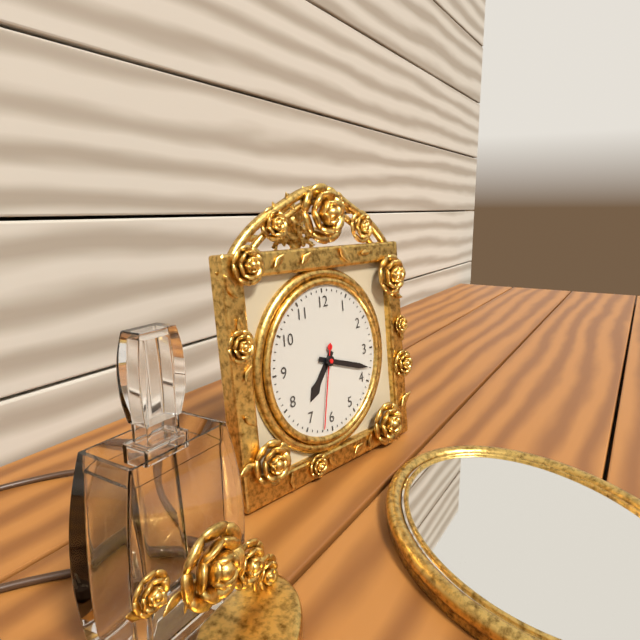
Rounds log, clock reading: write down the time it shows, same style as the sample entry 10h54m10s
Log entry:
7h18m32s
